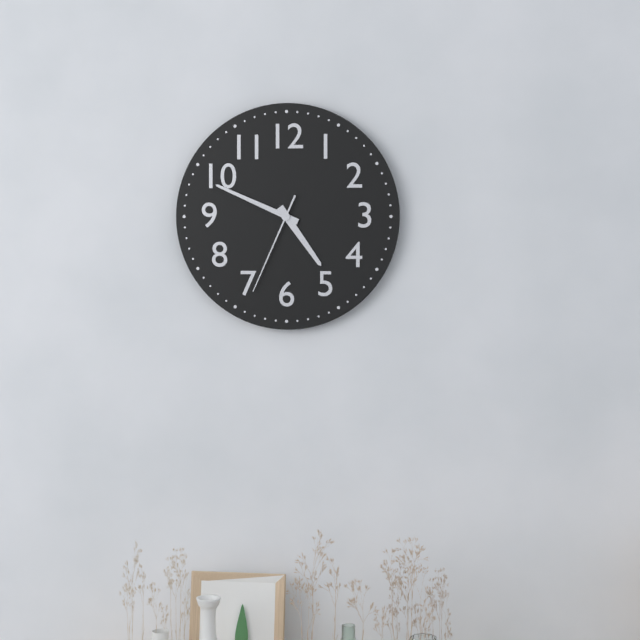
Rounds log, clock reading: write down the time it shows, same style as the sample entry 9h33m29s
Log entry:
4h49m34s
